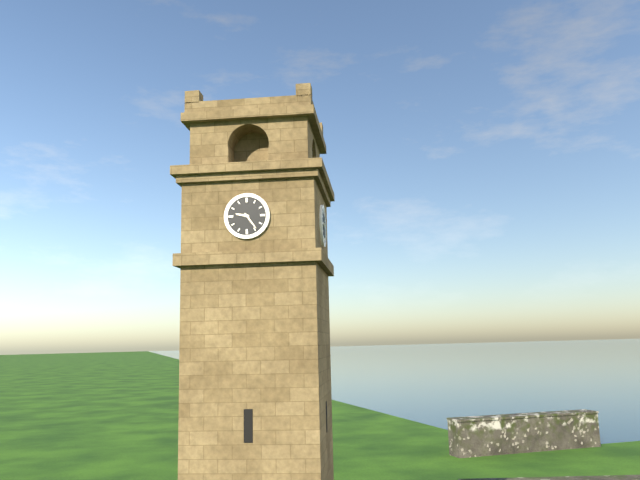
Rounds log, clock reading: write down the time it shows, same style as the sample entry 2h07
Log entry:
9h24
